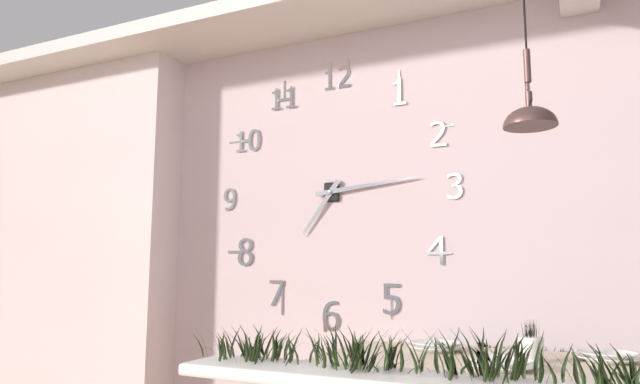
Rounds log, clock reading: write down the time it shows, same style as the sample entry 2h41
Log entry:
7h14
